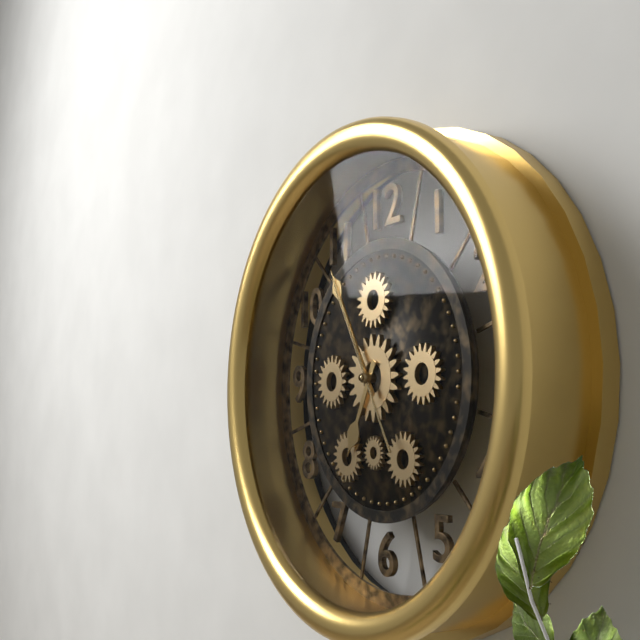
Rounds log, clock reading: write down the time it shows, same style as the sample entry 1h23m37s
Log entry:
6h55m55s
